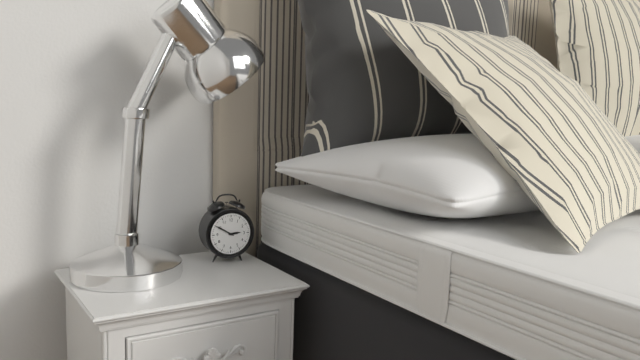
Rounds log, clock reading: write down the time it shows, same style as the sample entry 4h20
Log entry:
2h50
